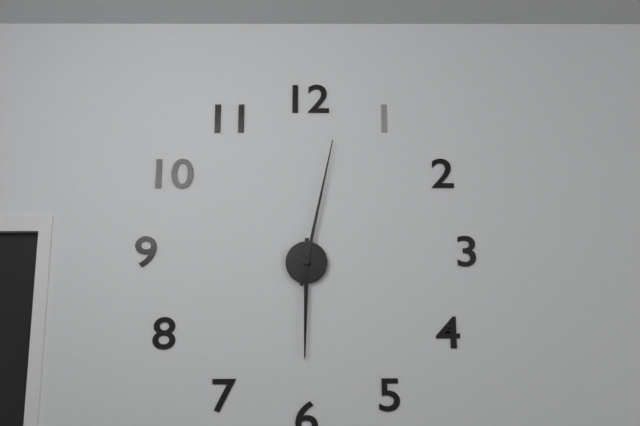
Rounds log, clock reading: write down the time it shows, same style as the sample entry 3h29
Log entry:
6h02
